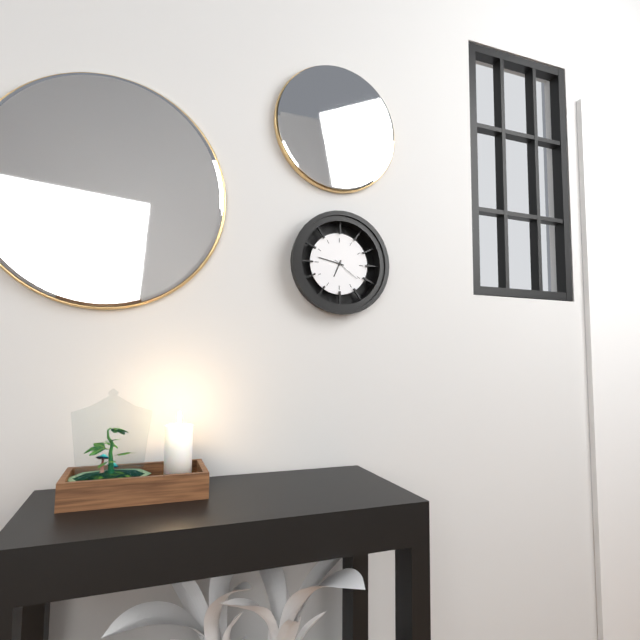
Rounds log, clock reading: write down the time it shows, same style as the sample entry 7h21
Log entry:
6h47
